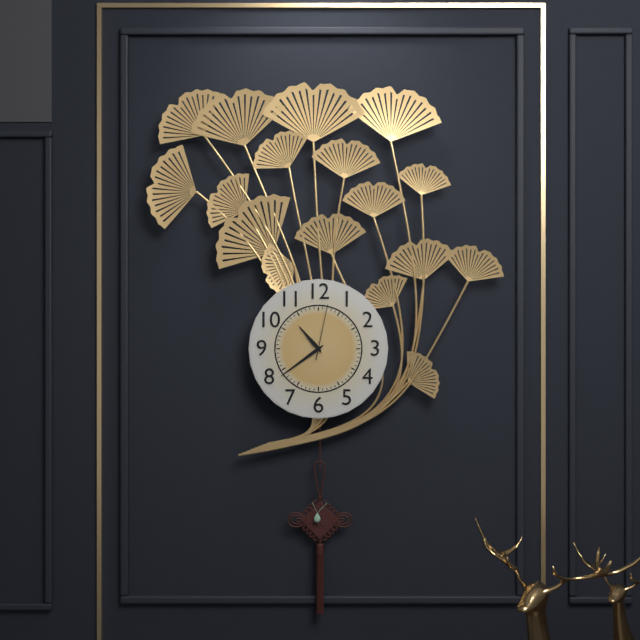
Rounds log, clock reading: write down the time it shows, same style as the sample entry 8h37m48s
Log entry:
10h39m02s
